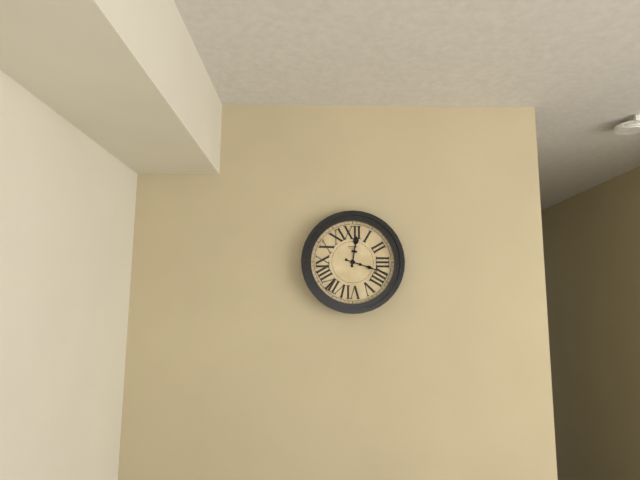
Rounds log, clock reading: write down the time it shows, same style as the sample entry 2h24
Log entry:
12h18
